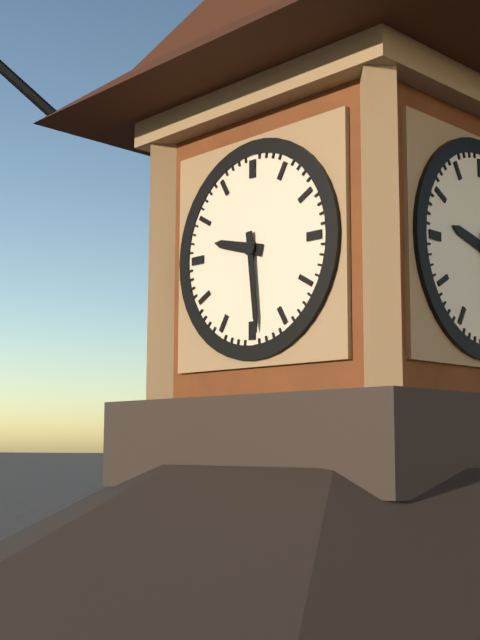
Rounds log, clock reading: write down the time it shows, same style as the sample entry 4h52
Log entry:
9h29
